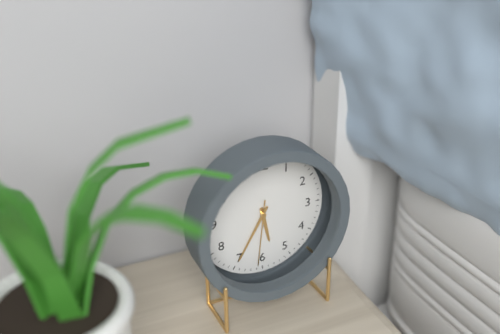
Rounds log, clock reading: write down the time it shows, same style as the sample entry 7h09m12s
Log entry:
5h35m31s
